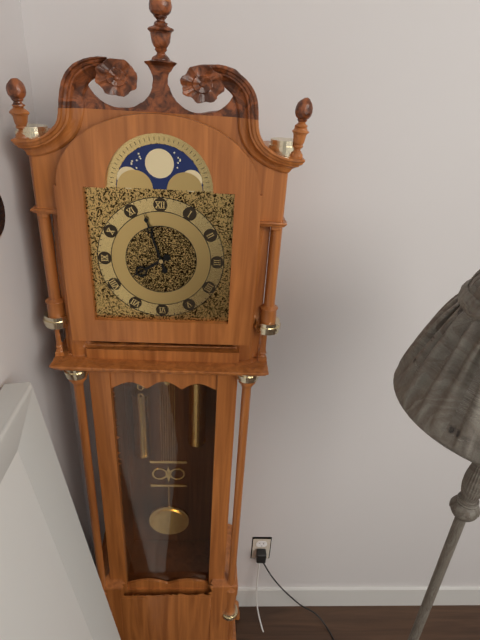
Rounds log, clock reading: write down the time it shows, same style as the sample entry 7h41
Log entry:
7h57
